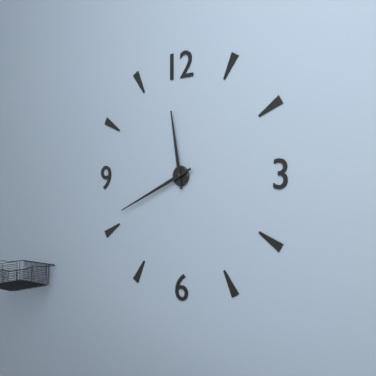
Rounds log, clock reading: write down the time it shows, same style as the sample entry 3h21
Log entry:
11h41
